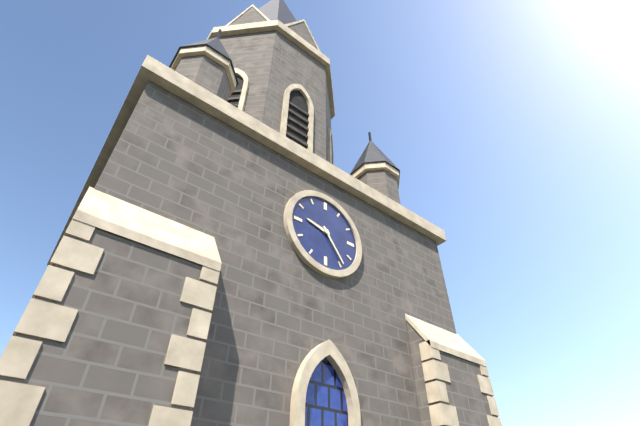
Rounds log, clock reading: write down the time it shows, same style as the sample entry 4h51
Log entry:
9h24
